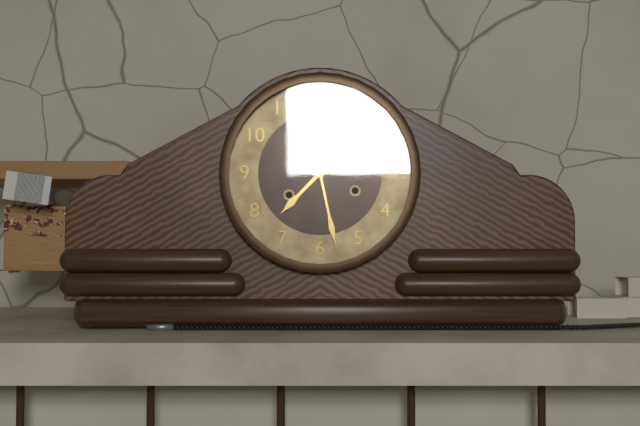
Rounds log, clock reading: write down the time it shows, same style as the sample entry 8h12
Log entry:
7h28
